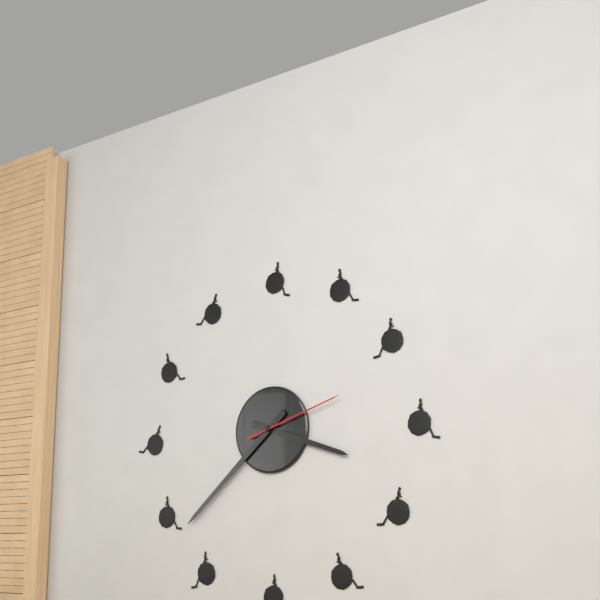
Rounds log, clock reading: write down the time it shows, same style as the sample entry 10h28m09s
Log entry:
3h38m12s
